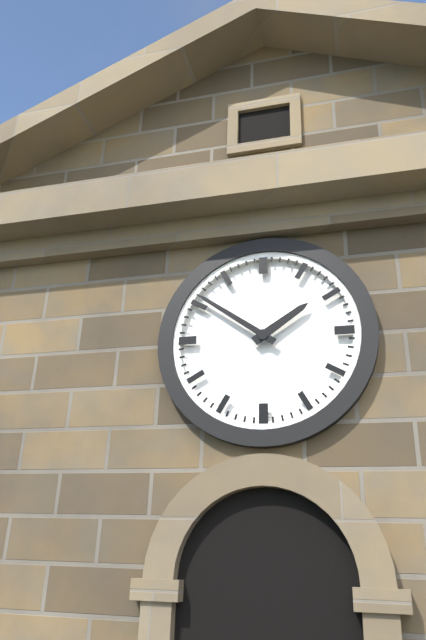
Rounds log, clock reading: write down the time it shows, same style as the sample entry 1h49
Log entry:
1h51
